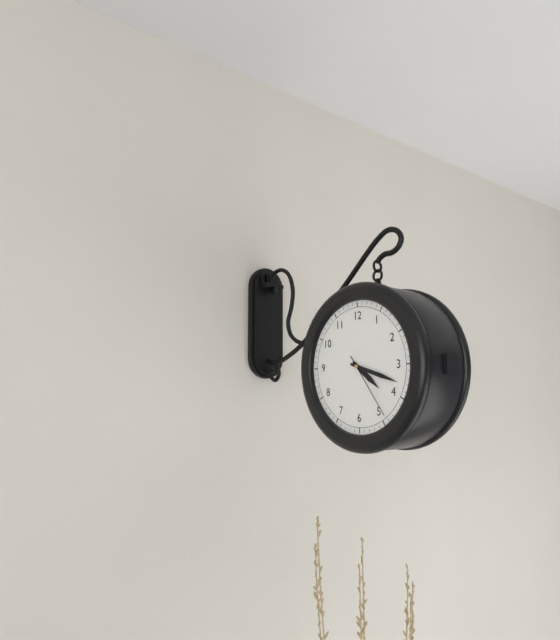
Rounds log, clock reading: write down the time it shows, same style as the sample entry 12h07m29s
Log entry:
4h18m24s
